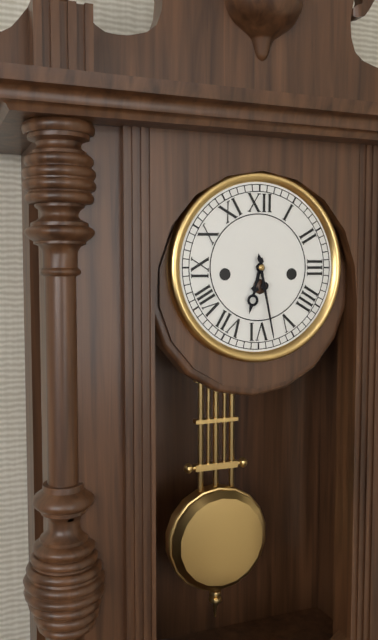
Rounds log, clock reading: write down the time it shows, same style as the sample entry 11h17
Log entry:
6h28
